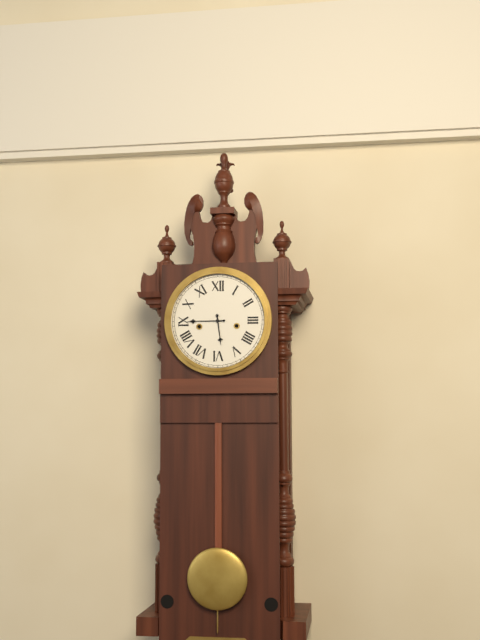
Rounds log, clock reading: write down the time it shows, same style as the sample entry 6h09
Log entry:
5h45
